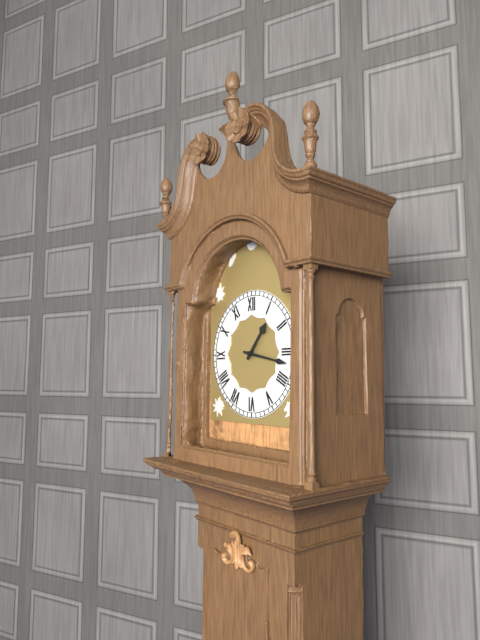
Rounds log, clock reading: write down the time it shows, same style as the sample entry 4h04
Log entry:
1h17
